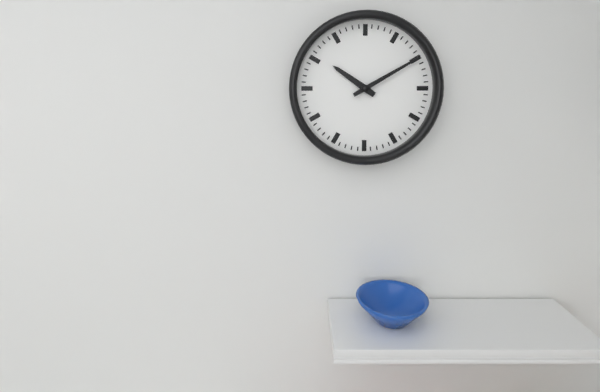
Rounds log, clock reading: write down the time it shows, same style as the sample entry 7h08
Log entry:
10h10
